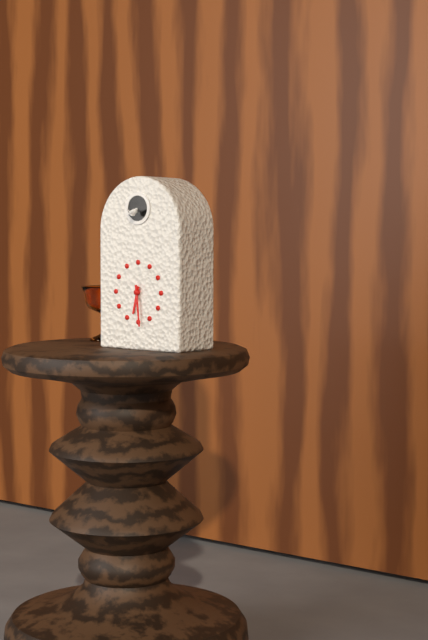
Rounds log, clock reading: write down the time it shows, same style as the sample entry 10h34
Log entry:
6h29
